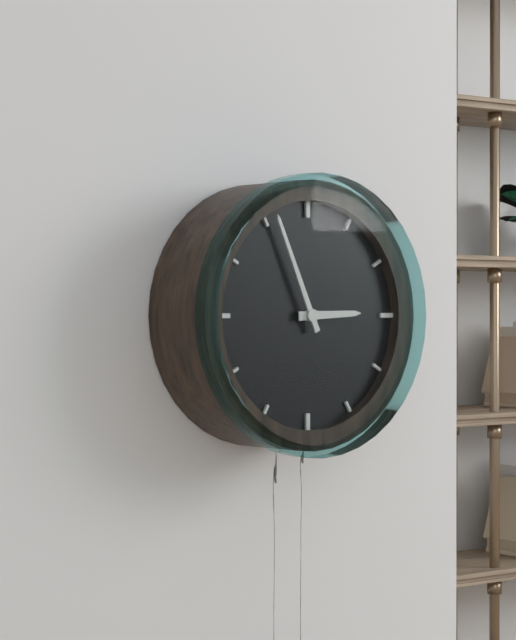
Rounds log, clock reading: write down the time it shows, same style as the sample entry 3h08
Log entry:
2h56
